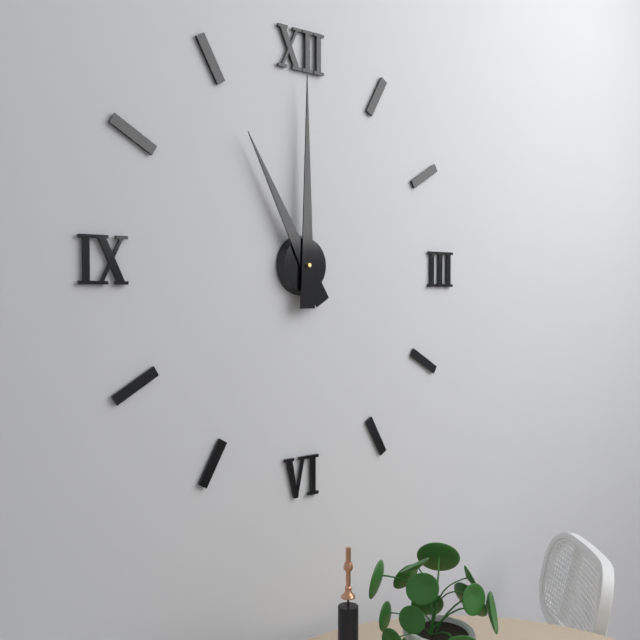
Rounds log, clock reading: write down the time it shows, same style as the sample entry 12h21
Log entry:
11h00
